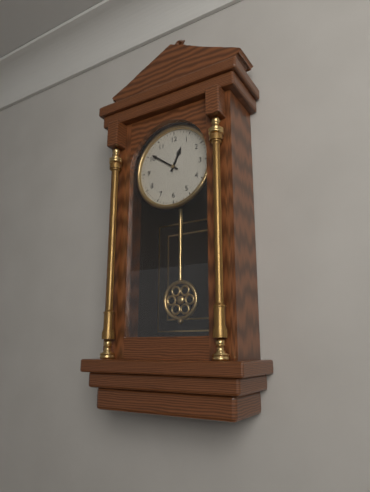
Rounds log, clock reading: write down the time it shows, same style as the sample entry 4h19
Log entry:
12h51
